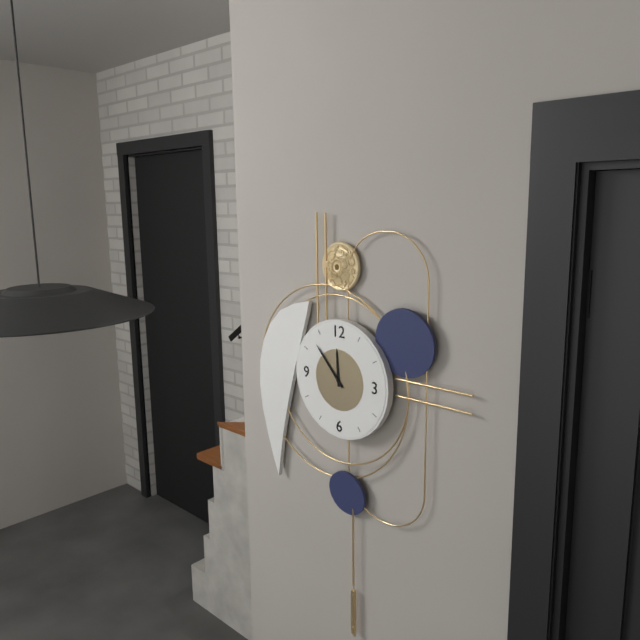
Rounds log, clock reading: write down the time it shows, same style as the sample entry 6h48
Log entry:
11h53
